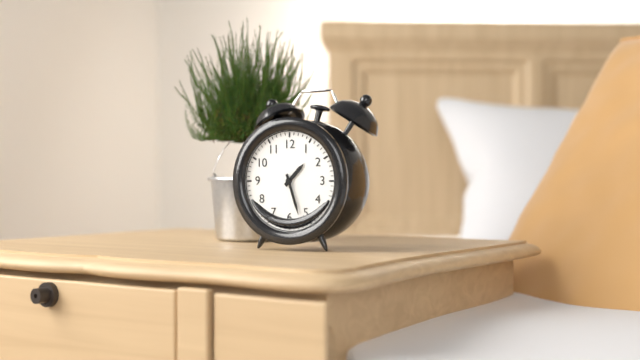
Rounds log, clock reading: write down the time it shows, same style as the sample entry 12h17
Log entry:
1h27
